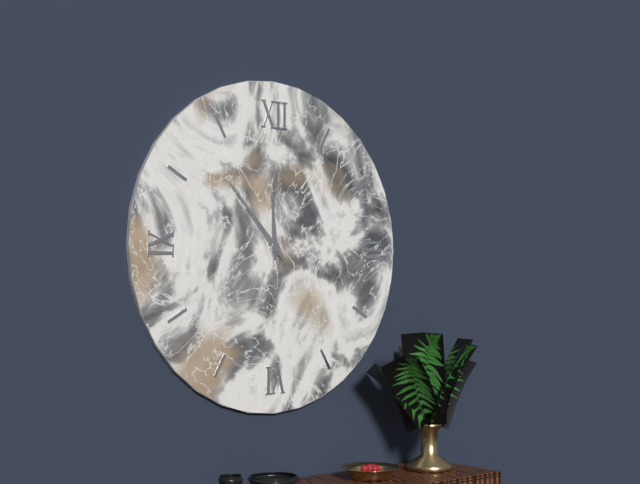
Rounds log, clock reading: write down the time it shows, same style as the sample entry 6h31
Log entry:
11h53
